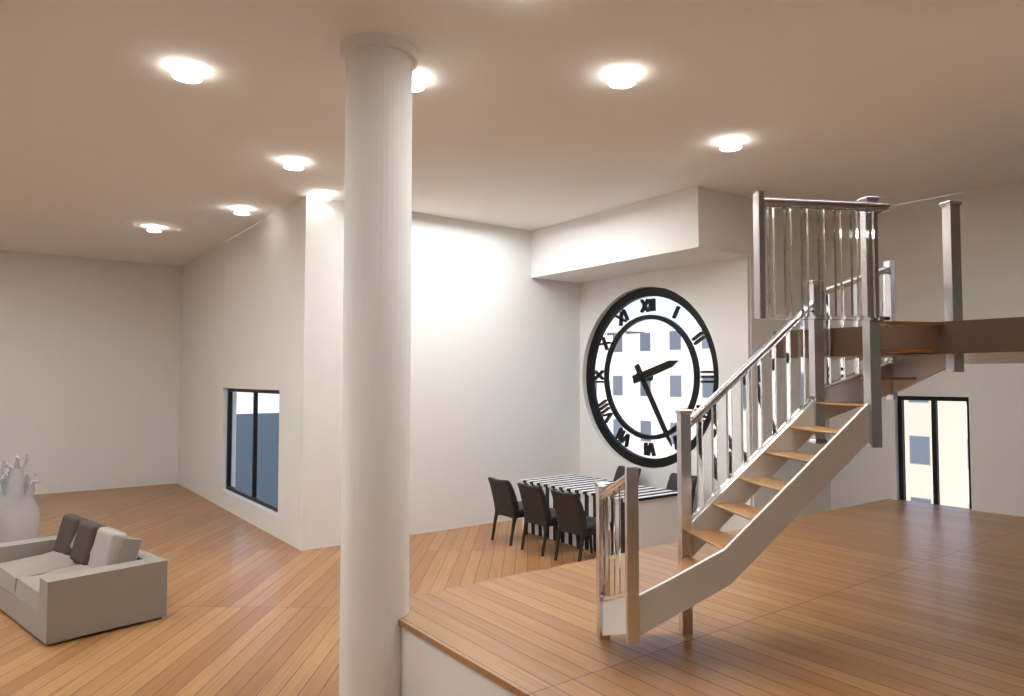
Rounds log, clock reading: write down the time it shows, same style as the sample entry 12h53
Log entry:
2h25
